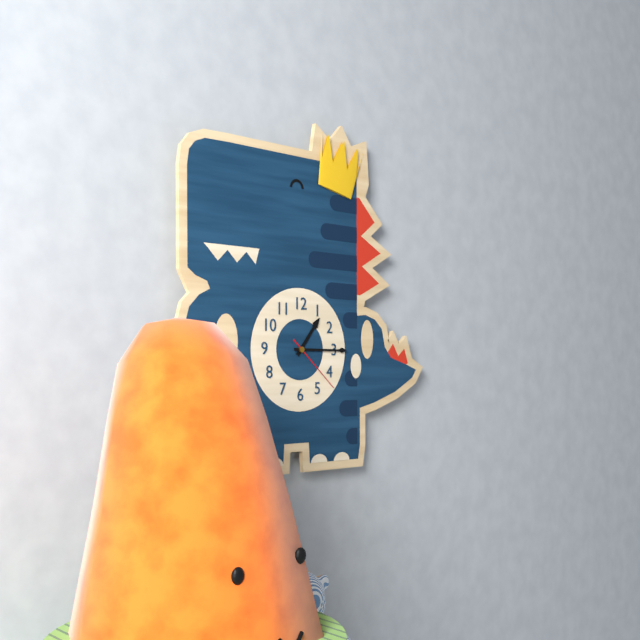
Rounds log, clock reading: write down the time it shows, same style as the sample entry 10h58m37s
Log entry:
1h15m22s
